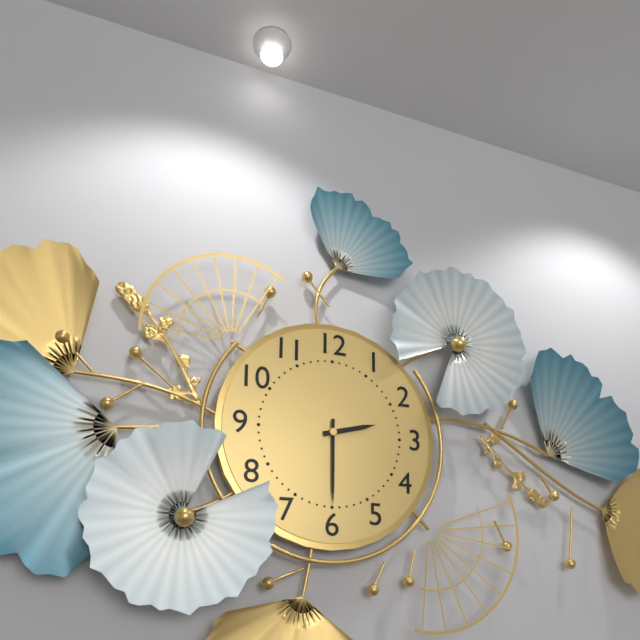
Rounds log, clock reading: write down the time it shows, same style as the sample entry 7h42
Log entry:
2h30
